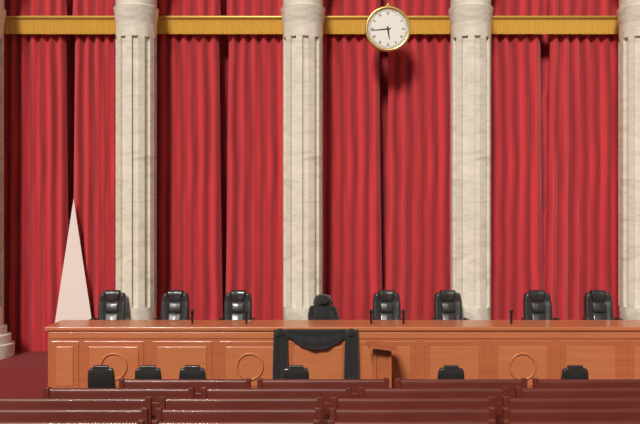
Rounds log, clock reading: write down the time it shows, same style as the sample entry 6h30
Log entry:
5h44
